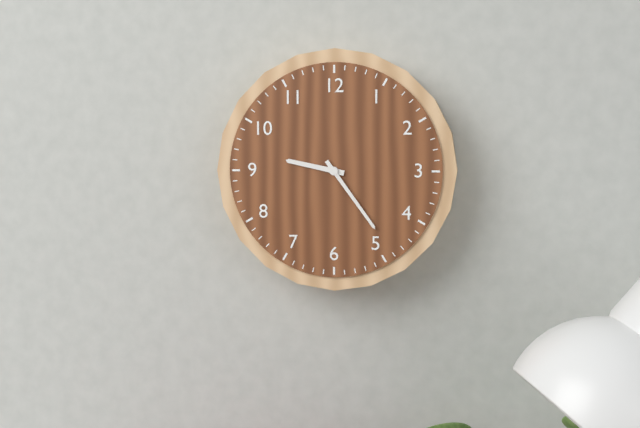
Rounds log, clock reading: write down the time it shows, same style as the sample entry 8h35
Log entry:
9h24
